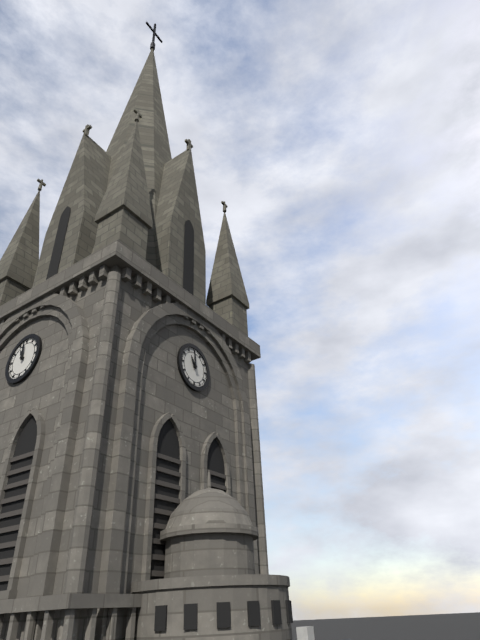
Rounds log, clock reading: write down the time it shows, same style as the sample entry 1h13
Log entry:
10h59
